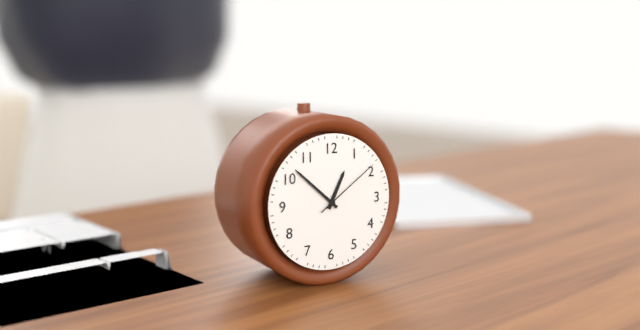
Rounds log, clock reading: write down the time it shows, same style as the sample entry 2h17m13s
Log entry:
12h52m09s
